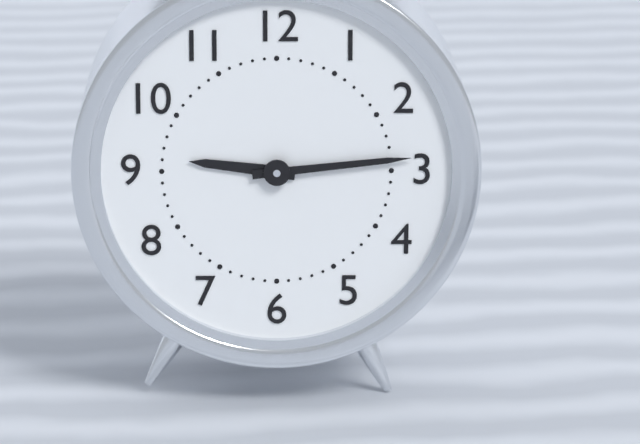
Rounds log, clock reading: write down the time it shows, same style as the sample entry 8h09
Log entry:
9h14
